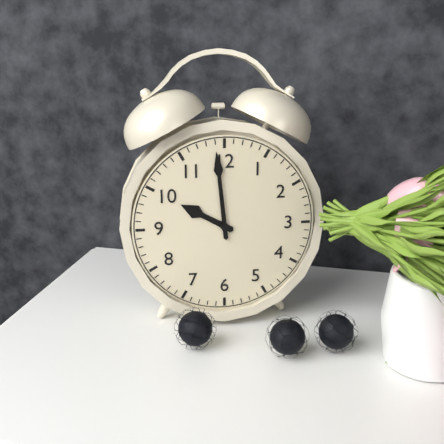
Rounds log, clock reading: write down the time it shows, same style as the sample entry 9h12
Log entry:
9h59
